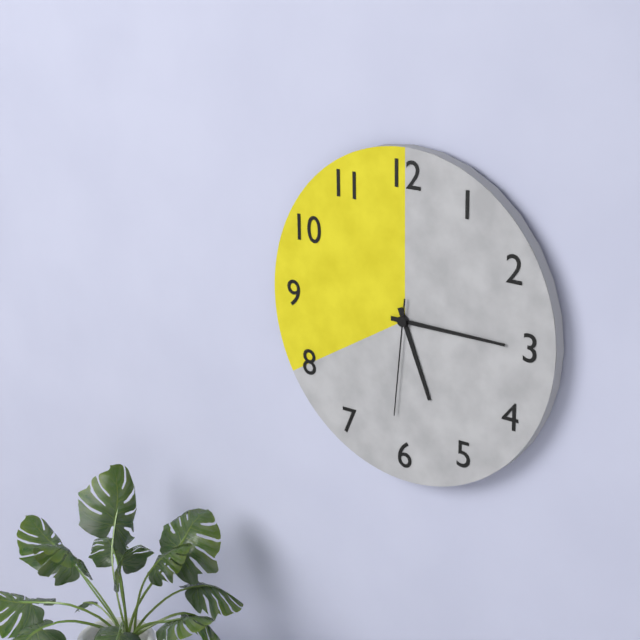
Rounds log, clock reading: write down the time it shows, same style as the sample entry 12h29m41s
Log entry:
5h15m31s
